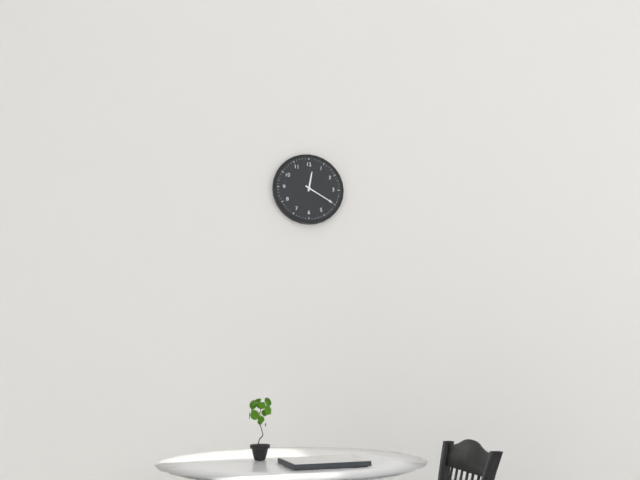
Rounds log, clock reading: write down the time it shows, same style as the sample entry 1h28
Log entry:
12h20
